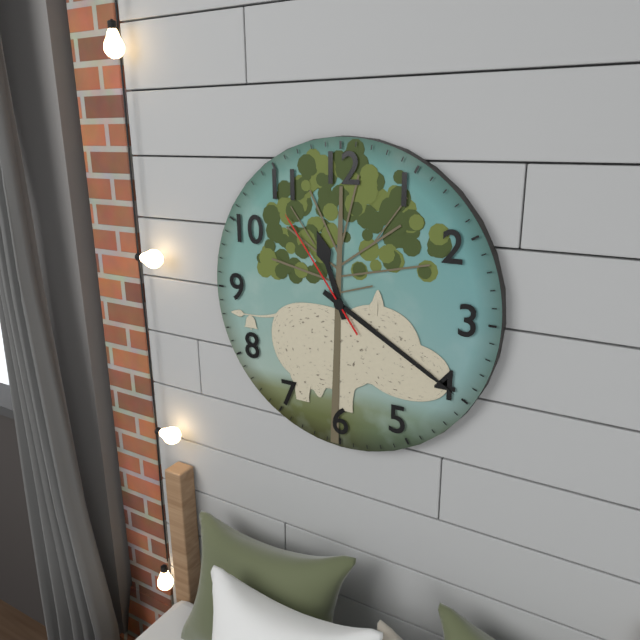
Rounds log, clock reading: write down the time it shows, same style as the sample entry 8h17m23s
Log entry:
11h20m54s
